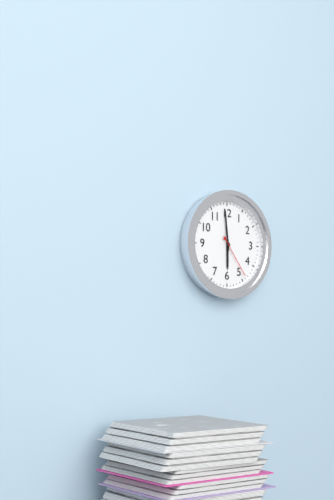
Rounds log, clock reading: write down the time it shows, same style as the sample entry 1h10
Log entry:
5h59
